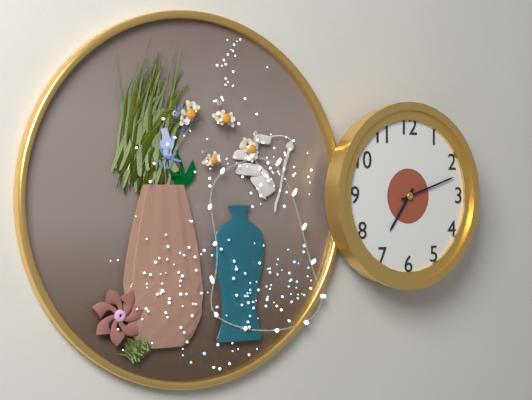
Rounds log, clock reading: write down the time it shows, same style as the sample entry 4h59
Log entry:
7h12
